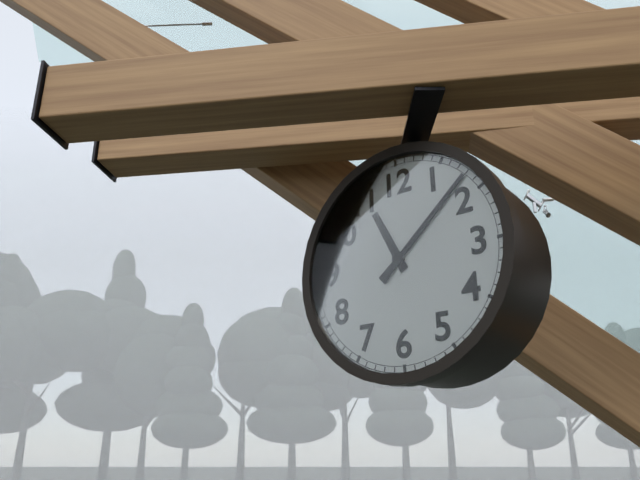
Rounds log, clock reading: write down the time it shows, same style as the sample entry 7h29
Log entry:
11h08
